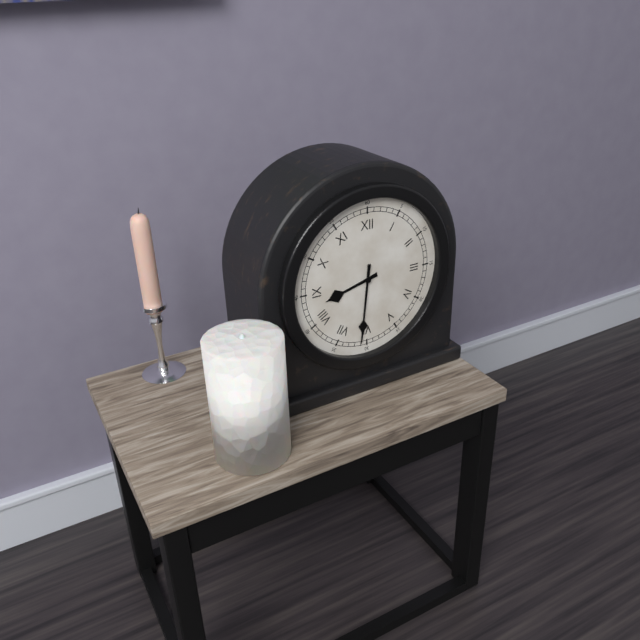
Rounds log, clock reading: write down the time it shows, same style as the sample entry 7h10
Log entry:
8h31
